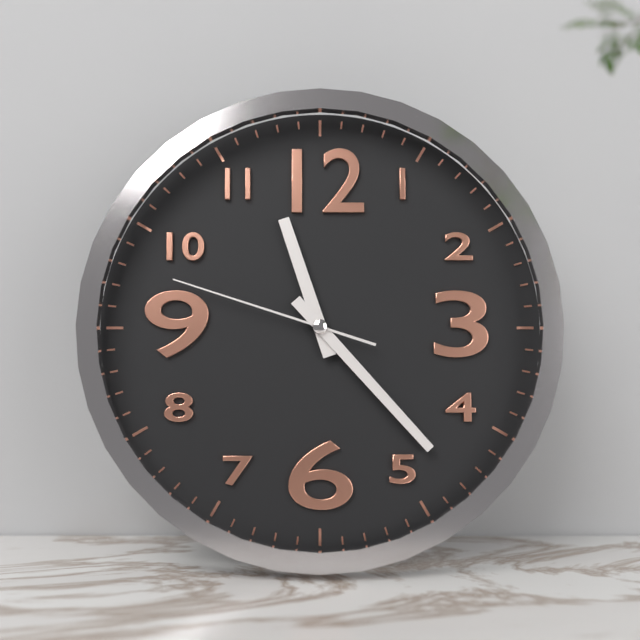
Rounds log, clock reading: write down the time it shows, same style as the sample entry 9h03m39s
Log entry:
11h23m48s
